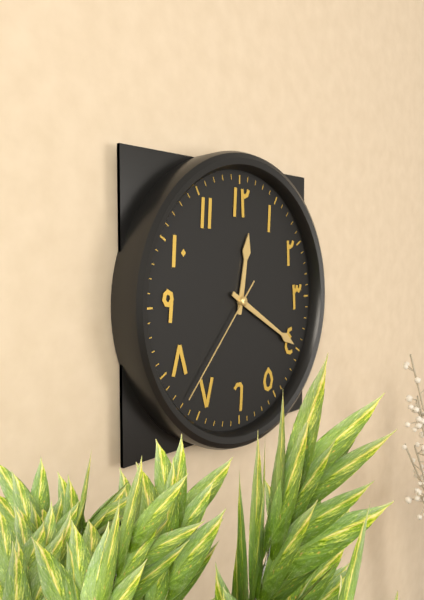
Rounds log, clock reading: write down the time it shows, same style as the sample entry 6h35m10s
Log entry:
12h20m37s
